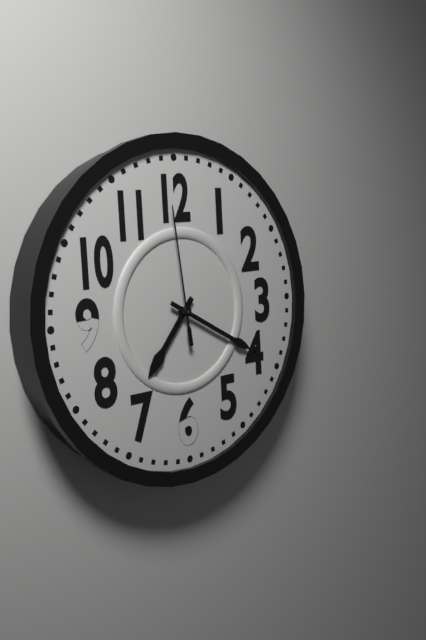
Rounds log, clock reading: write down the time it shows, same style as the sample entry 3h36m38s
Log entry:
7h20m59s
